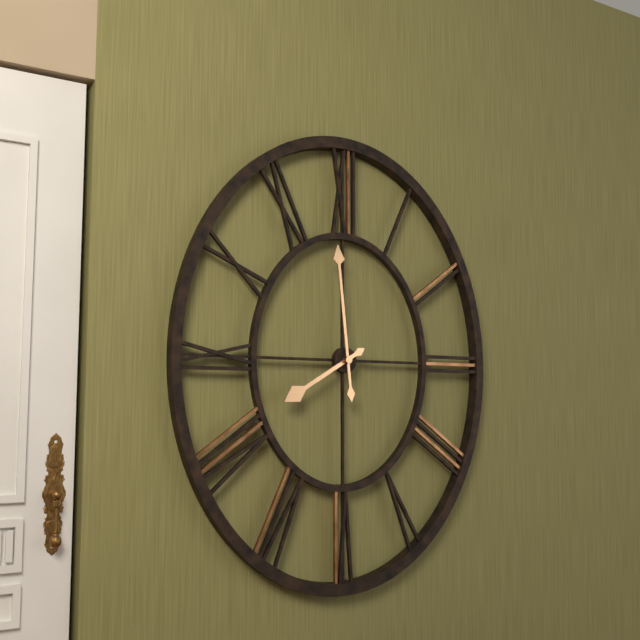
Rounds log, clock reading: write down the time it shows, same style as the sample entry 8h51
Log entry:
7h59
